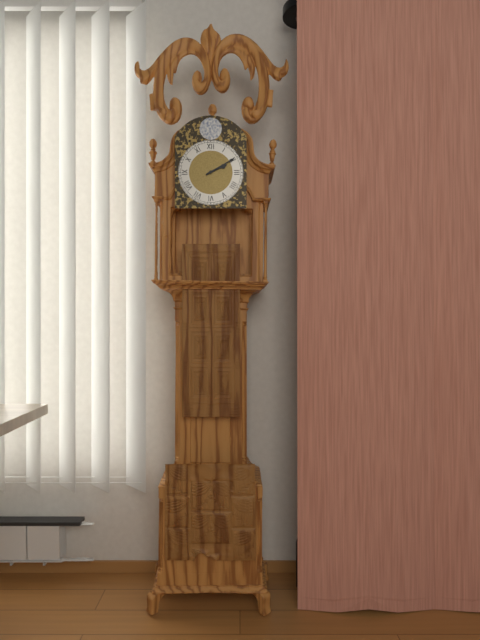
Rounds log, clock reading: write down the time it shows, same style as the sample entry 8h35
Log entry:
2h10
